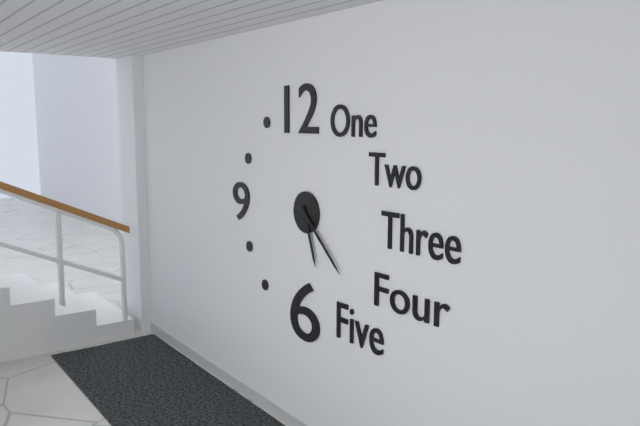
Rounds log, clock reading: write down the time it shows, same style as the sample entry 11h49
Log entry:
5h22
